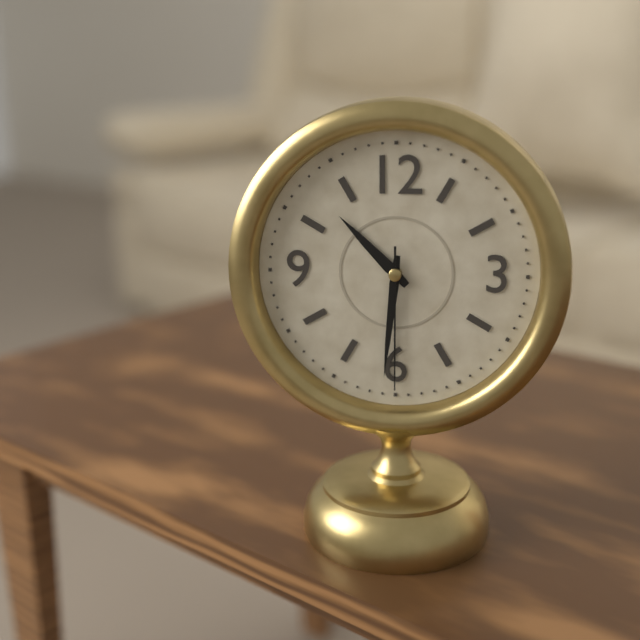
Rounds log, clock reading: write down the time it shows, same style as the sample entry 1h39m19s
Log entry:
10h31m30s
